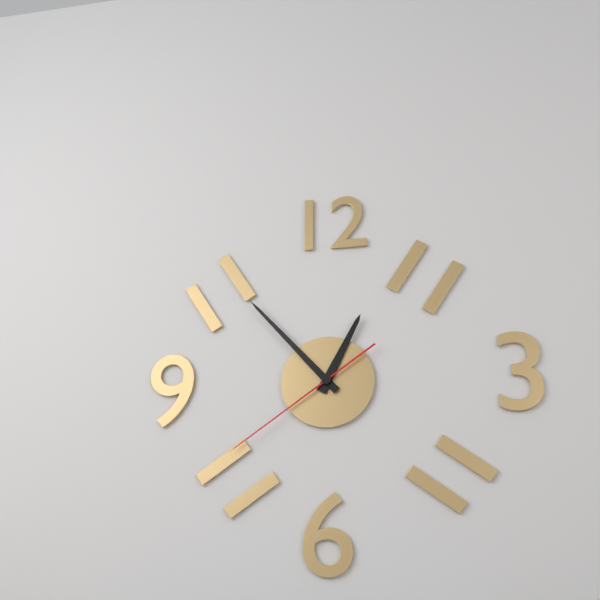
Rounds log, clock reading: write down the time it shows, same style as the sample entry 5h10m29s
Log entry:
12h53m39s
